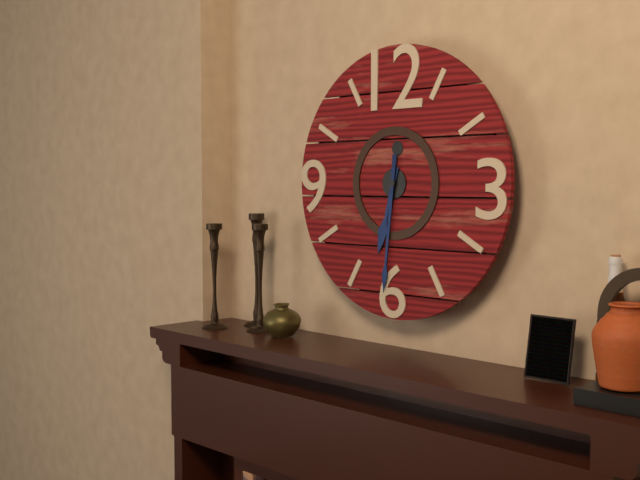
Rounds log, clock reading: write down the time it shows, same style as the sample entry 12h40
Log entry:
6h31
